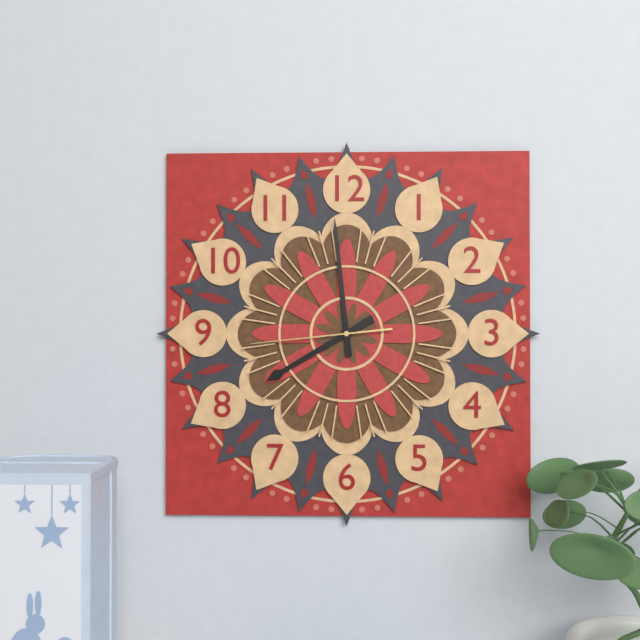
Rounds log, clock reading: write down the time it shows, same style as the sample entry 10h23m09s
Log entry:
7h59m44s
